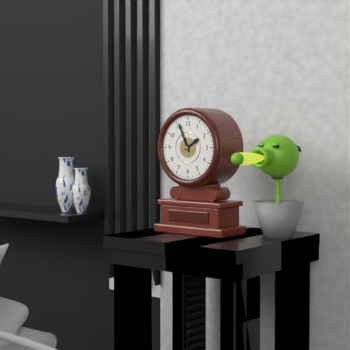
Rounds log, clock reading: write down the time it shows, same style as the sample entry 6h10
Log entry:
1h56
